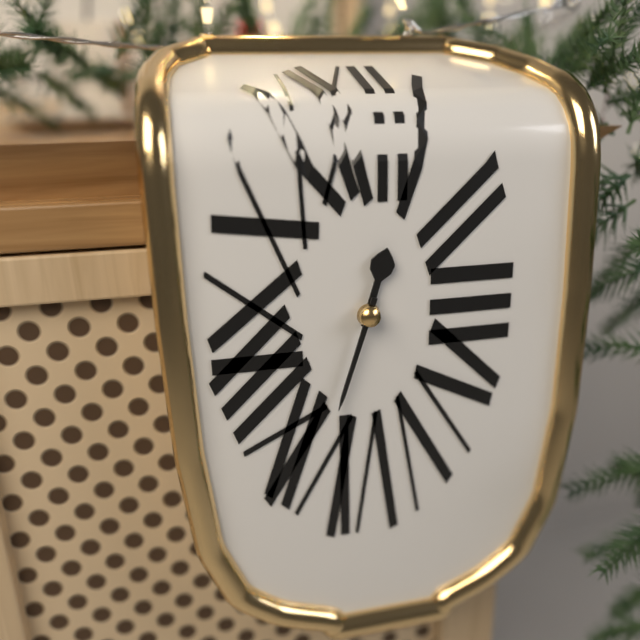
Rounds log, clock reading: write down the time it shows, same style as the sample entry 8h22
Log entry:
12h33
